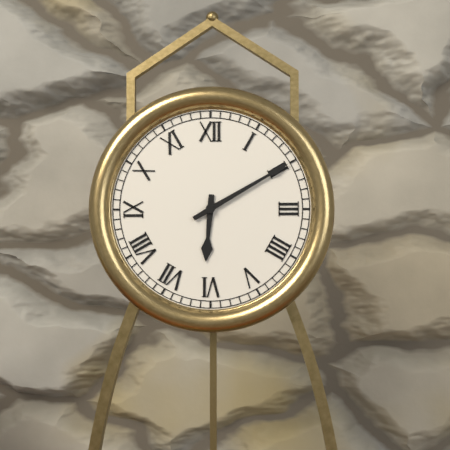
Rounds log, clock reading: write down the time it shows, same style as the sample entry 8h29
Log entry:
6h10
